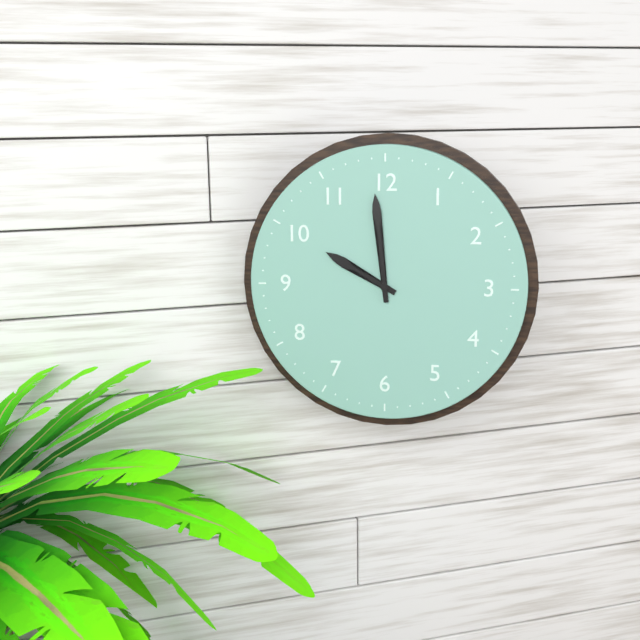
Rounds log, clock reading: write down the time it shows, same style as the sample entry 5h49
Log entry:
9h59
